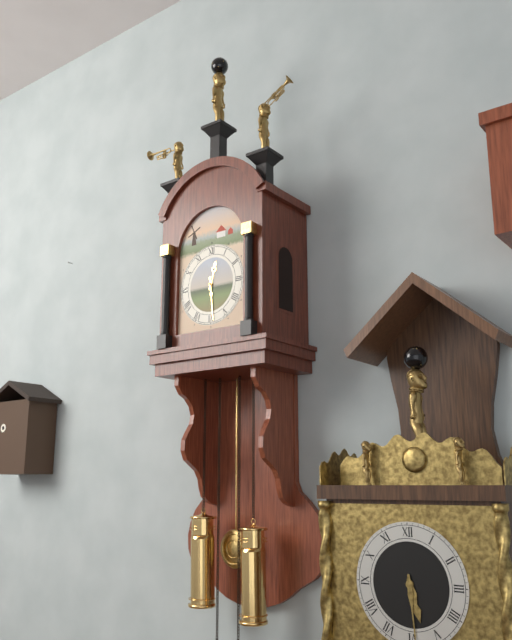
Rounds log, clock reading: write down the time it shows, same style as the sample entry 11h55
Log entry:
12h29
